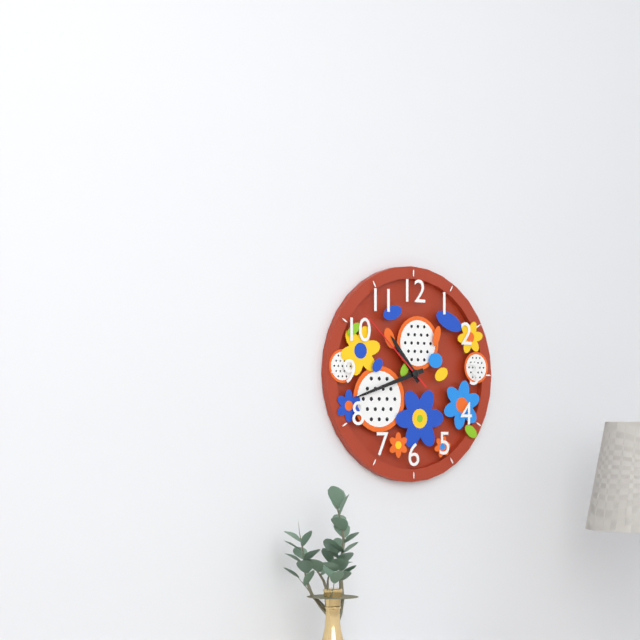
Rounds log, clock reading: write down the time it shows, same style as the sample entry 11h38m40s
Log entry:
10h42m52s
